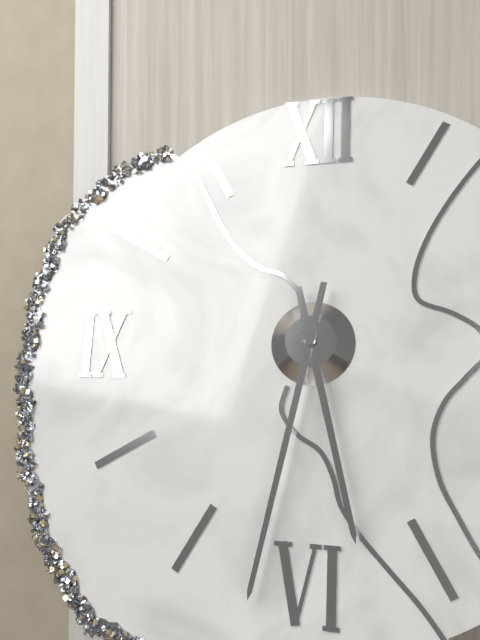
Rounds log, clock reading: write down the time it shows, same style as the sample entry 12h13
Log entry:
5h32
